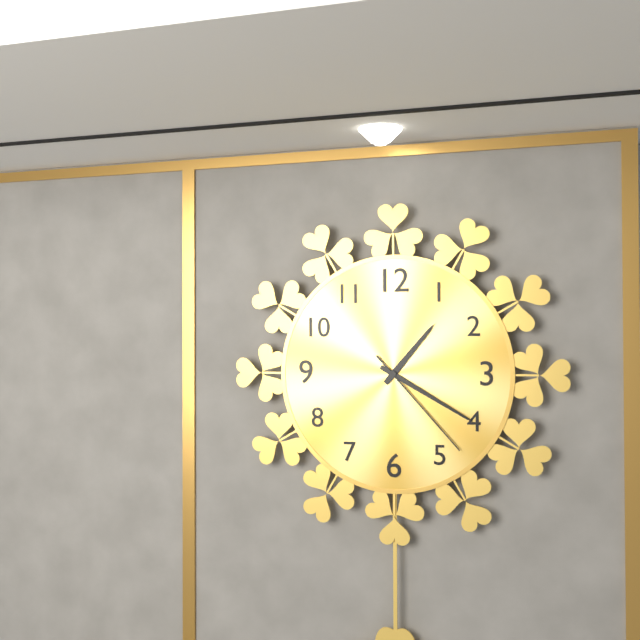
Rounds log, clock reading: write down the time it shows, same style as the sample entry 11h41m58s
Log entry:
1h20m23s
